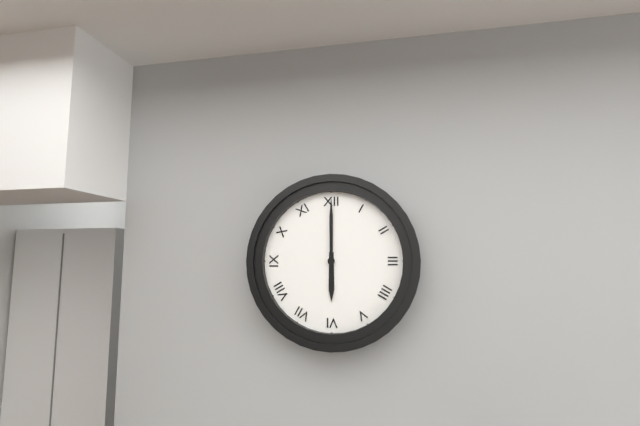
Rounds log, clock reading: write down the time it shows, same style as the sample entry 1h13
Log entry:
6h00
